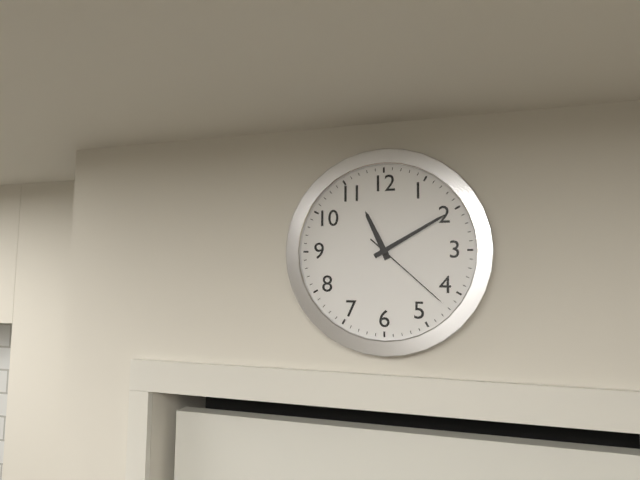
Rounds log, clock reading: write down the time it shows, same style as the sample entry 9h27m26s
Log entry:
11h10m22s
